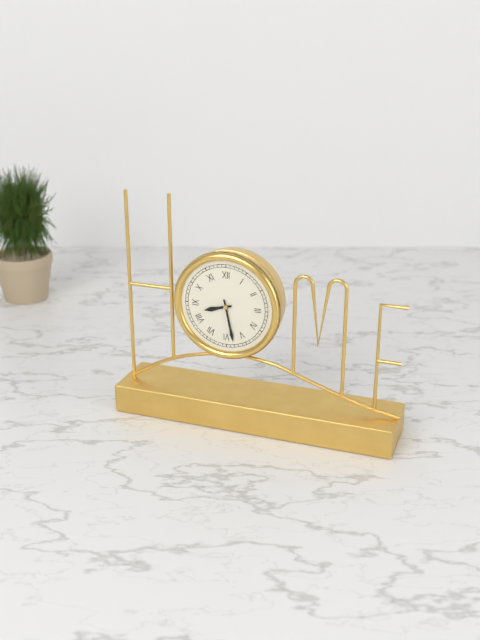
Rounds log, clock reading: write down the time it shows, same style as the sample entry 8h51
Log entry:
8h28
